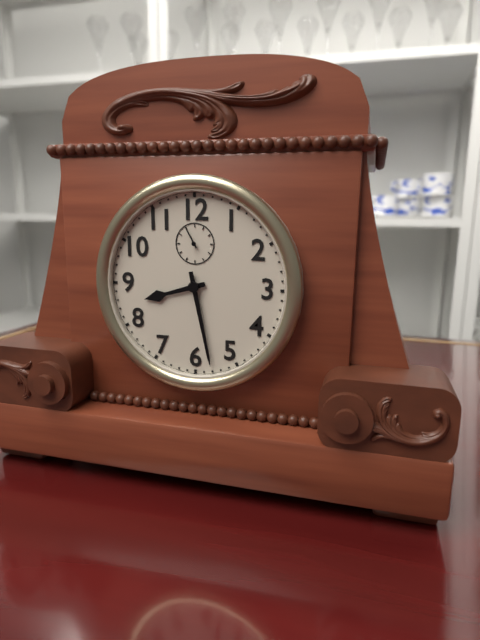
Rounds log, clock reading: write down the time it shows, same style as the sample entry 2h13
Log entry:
8h28
